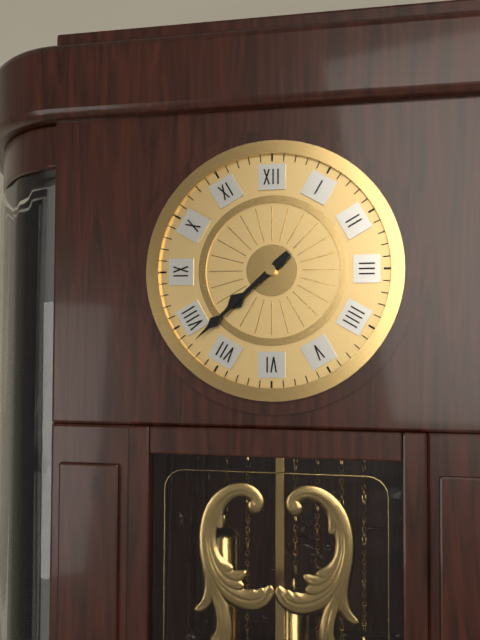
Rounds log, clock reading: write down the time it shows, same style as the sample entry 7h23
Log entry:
7h38
